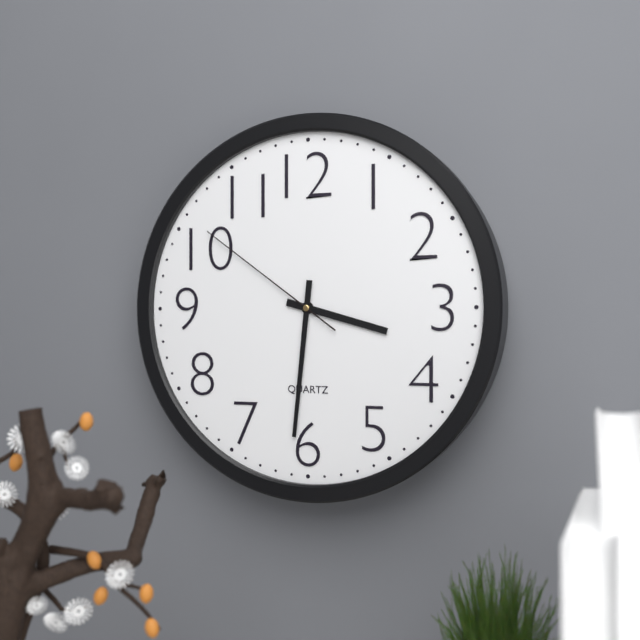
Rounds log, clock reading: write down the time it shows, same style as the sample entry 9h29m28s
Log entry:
3h31m51s
